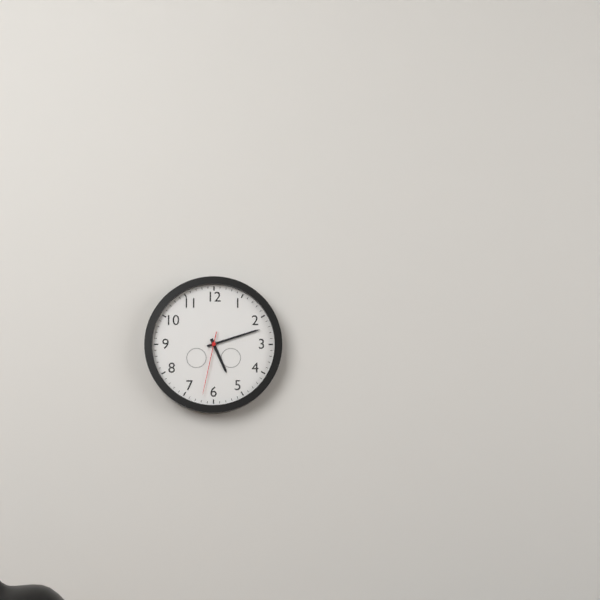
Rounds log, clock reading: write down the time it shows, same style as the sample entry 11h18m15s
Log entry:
5h12m32s
